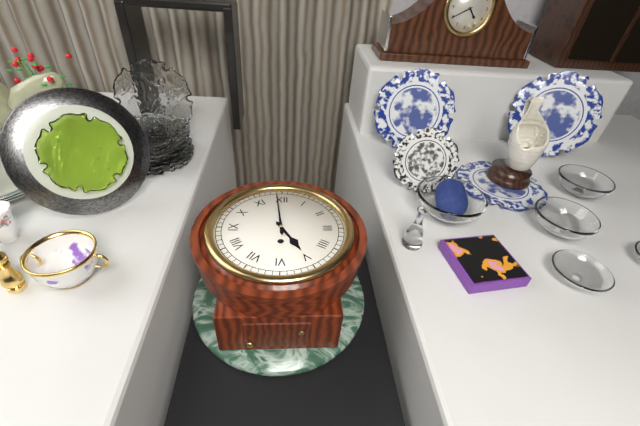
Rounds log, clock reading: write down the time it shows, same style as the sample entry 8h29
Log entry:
4h59
